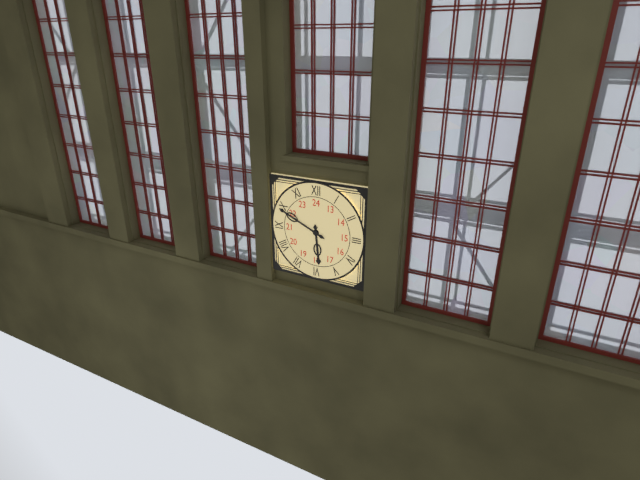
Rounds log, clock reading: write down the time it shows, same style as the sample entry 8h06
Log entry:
5h49
